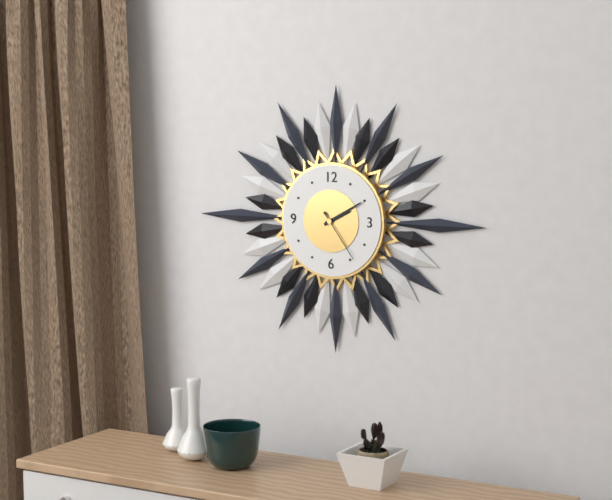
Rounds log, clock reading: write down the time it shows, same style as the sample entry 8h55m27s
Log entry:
2h10m24s
